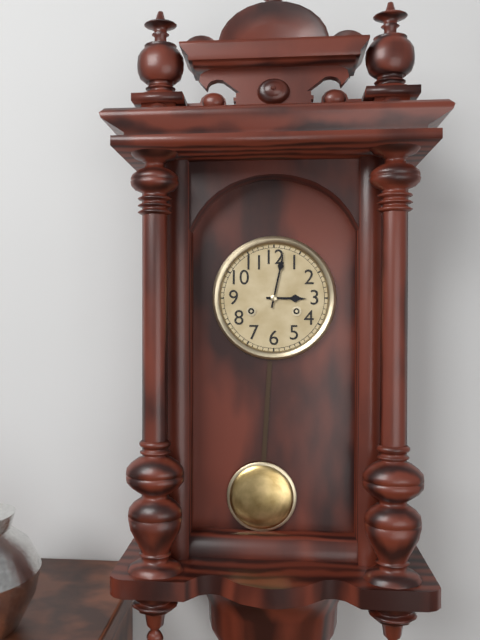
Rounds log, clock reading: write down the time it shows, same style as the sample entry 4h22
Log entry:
3h02
